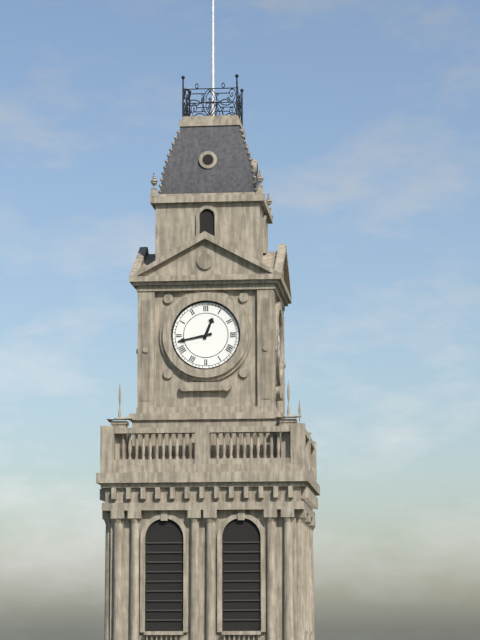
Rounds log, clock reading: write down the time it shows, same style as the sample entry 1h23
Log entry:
12h43
